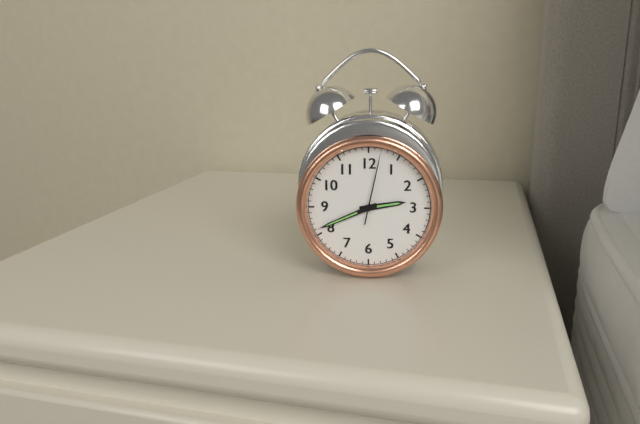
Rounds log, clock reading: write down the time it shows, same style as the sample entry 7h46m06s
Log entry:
2h41m02s
